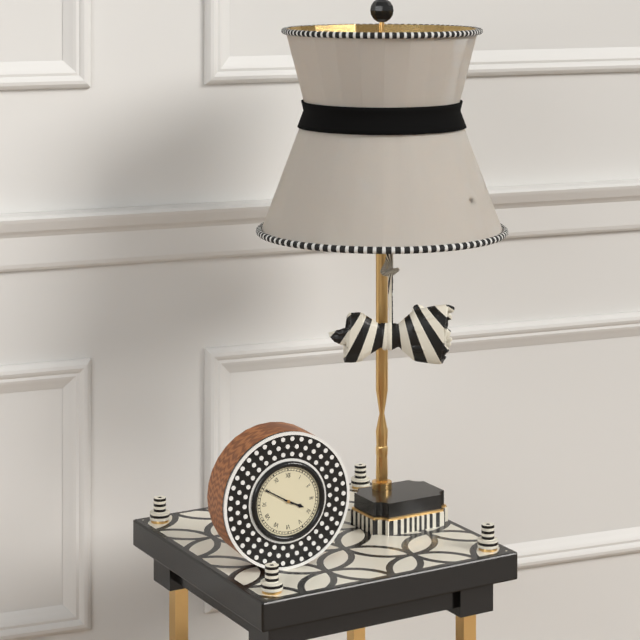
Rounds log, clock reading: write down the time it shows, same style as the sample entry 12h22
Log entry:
3h50
